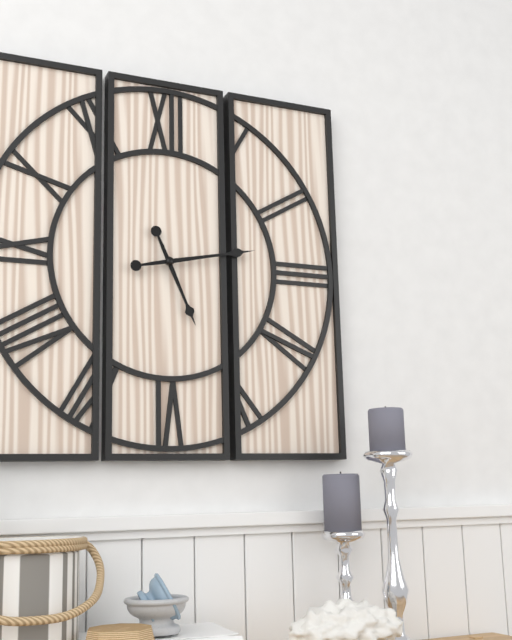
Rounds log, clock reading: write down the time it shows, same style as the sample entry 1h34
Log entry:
5h13
